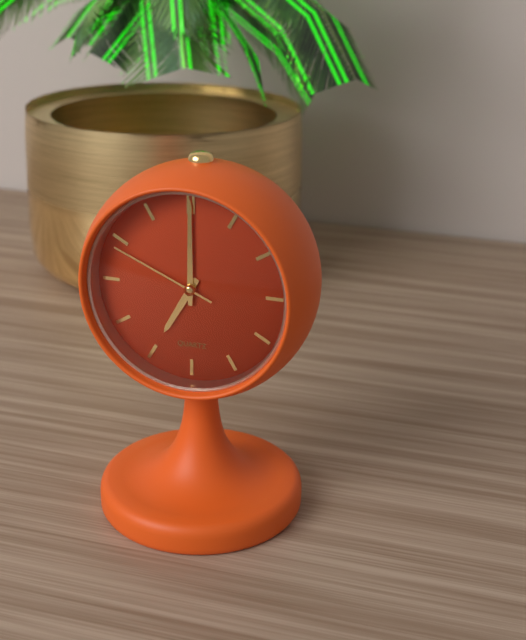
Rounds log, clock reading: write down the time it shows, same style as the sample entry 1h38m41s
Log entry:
7h00m49s
